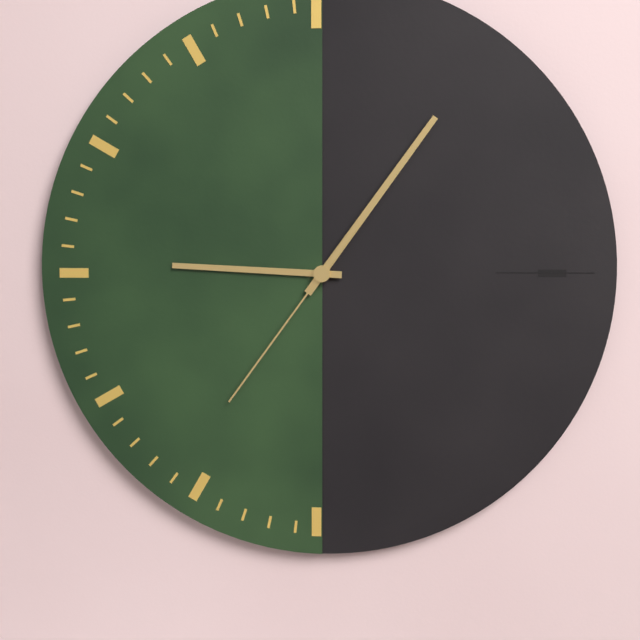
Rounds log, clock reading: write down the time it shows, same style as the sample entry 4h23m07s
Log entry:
9h06m36s
